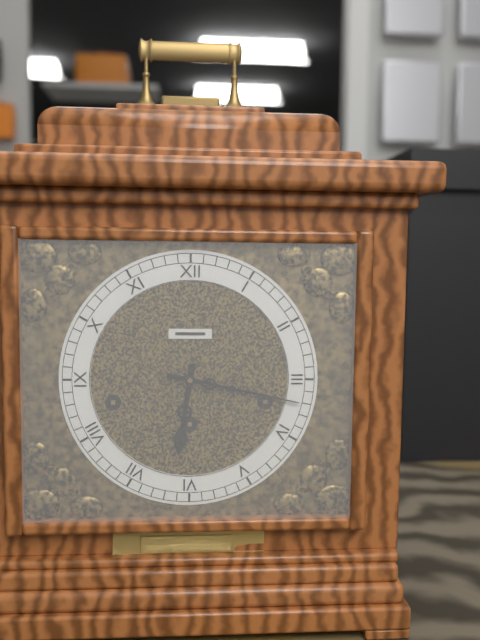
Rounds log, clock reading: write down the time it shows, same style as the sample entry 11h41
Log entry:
6h17
